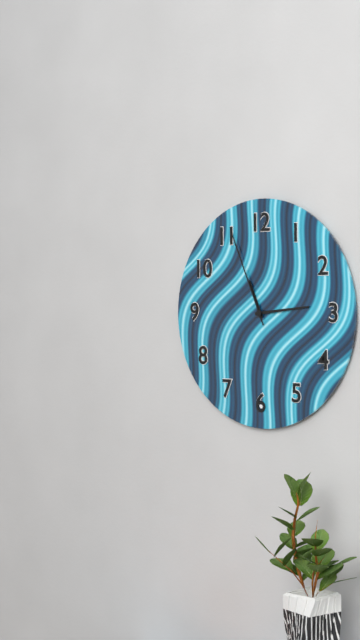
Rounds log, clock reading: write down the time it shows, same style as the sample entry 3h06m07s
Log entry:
11h14m56s
